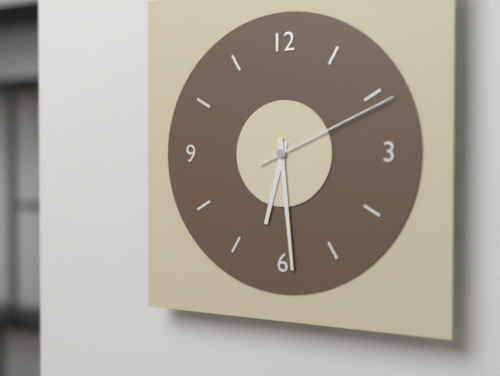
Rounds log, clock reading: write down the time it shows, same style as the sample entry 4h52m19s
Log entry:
6h29m11s
